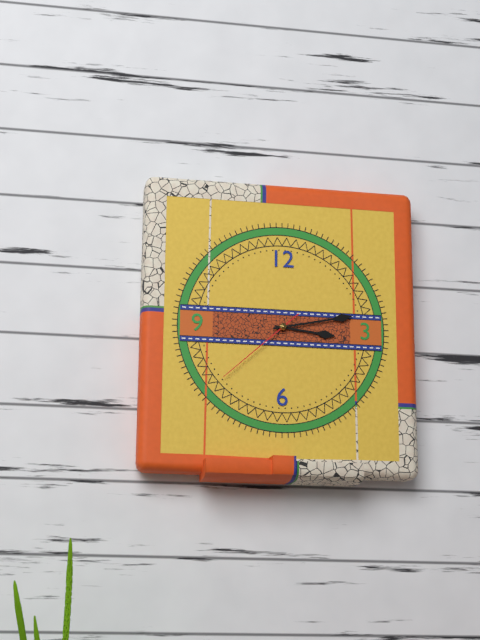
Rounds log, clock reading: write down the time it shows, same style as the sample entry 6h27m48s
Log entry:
3h13m38s
